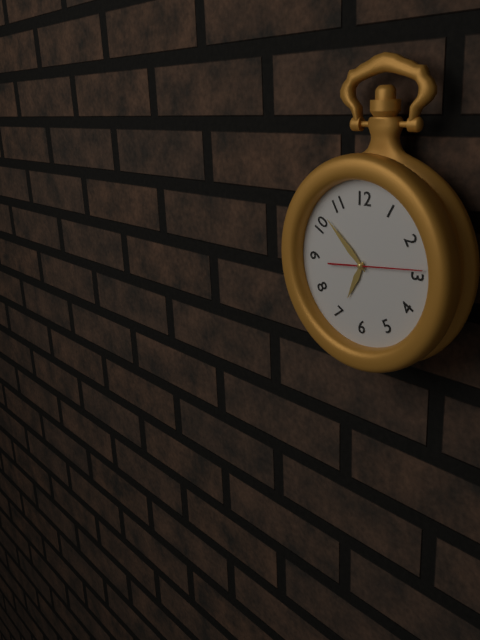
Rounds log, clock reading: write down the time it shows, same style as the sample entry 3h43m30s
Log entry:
6h52m14s
